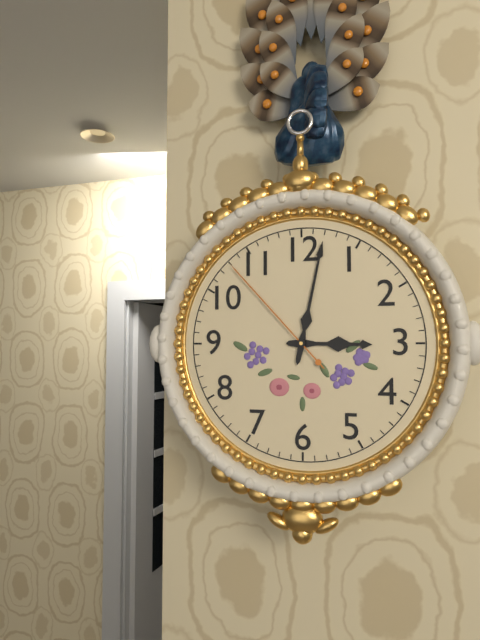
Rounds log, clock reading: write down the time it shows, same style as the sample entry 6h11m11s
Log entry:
3h02m53s
